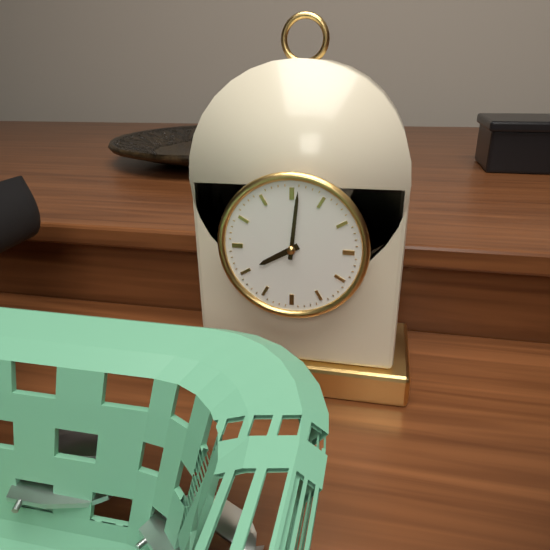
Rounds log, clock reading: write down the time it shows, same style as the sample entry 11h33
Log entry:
8h01
